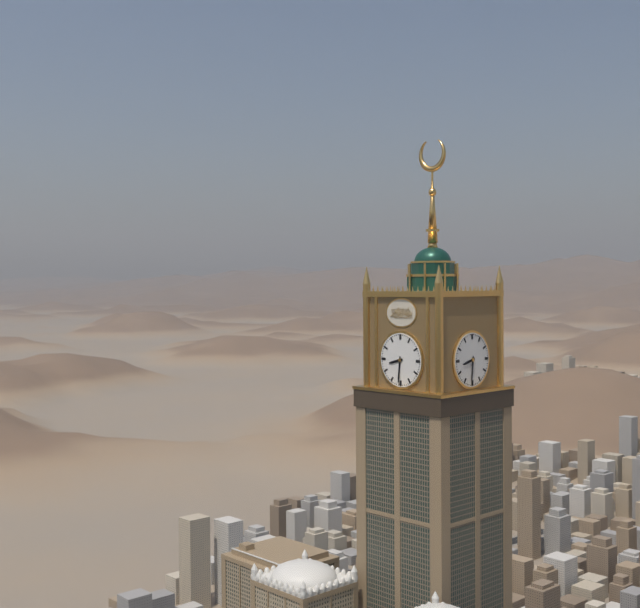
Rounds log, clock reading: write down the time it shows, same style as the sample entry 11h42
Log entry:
8h31
